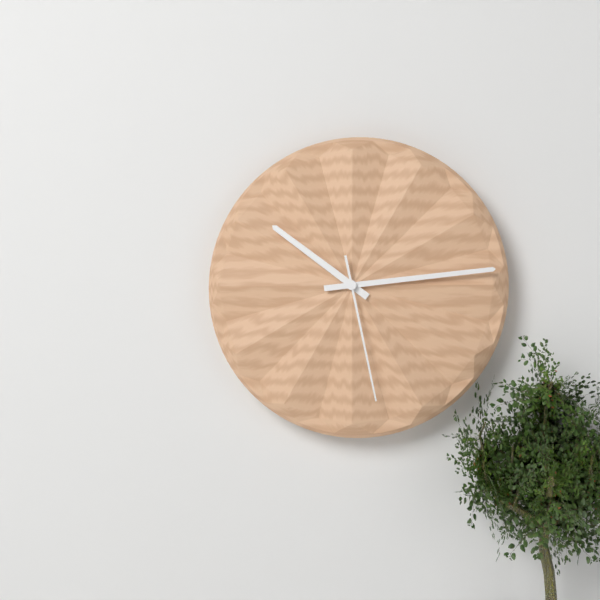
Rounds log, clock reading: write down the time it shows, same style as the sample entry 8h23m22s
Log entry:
10h14m28s
